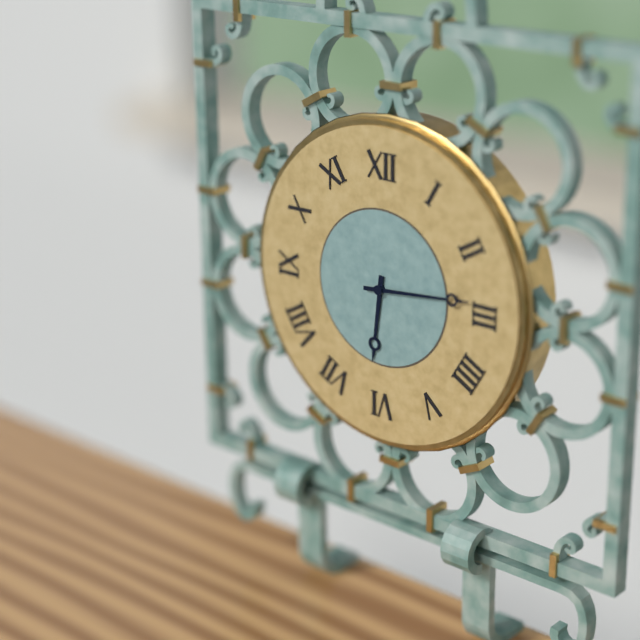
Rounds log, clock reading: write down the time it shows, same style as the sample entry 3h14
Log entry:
6h14
